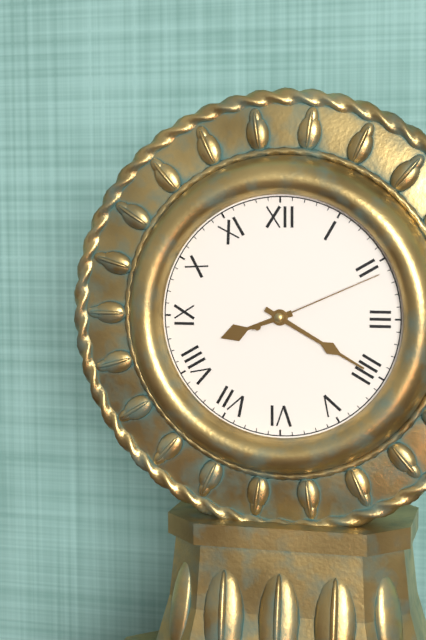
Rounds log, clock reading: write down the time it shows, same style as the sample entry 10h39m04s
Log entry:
8h20m11s
